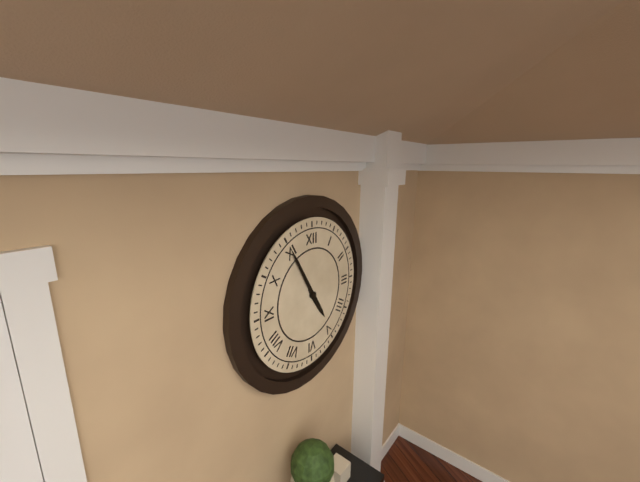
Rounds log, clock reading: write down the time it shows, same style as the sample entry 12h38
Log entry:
4h55
